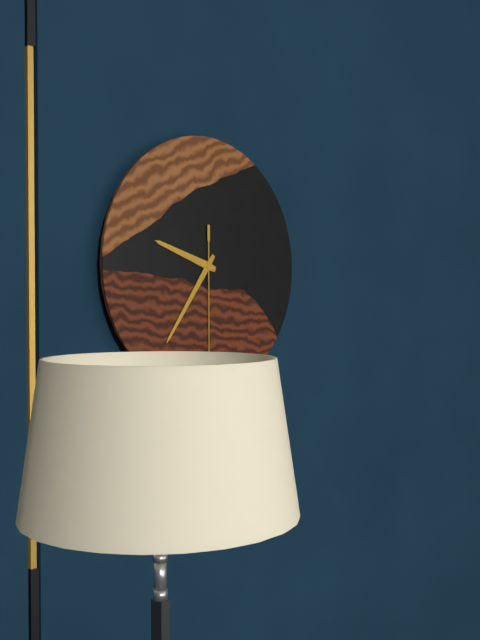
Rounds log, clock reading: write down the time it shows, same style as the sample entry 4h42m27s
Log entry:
9h36m30s
